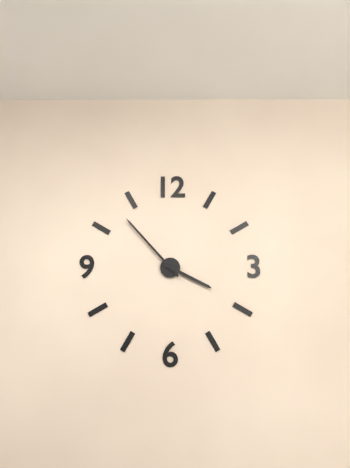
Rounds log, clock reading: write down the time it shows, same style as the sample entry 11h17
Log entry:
3h53
